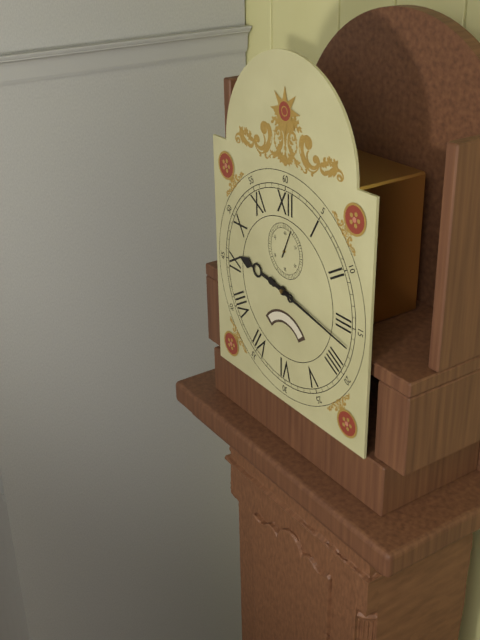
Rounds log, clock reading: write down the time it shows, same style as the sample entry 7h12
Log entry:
9h17
